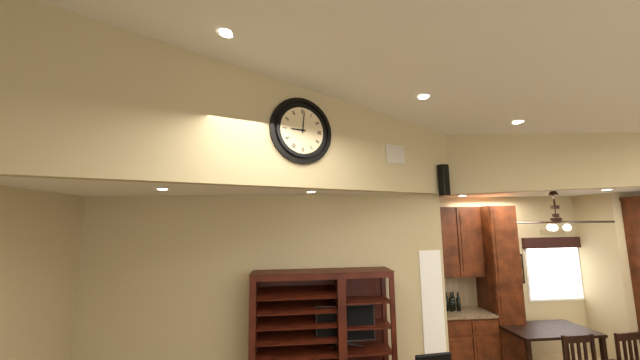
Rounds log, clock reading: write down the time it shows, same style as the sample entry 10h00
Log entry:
9h01
